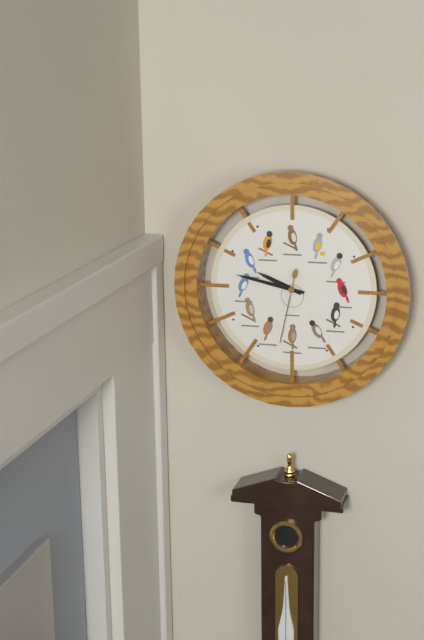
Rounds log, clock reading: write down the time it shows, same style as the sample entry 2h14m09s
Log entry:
9h47m32s
